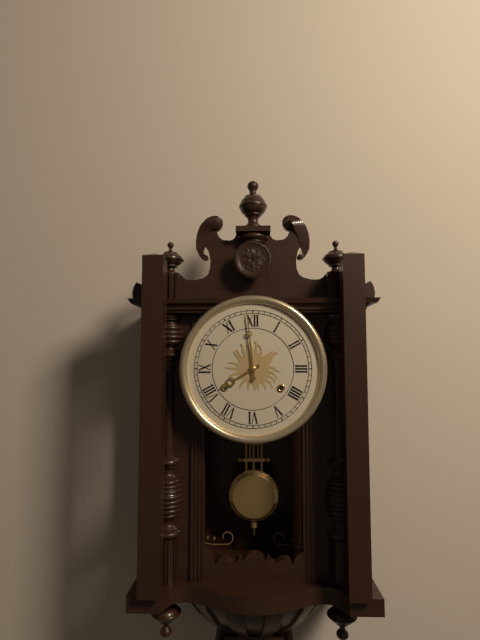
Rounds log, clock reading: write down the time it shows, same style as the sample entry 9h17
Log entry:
7h59
